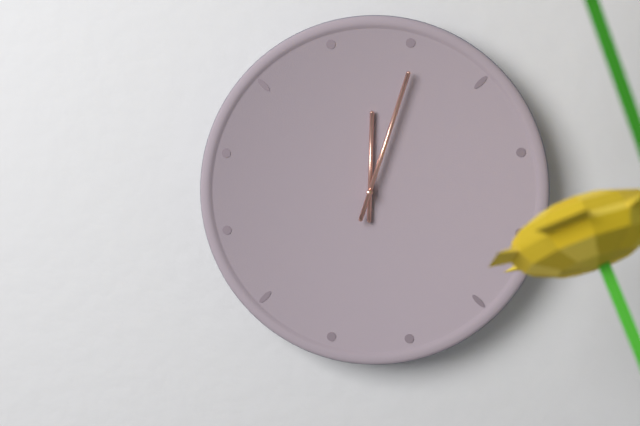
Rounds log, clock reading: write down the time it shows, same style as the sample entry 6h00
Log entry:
12h03
